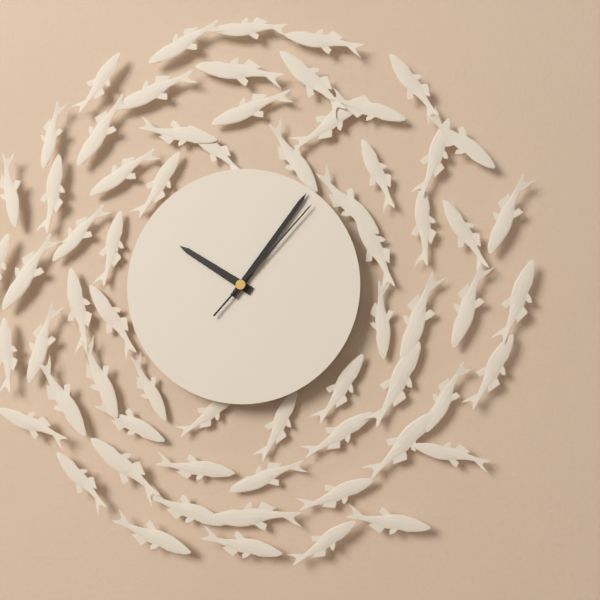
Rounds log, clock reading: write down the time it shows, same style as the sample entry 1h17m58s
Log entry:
10h06m07s
